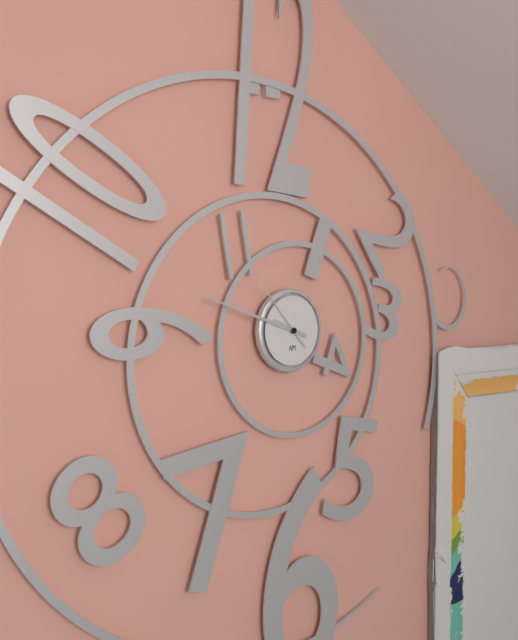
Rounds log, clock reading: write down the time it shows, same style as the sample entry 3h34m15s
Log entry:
9h48m53s
